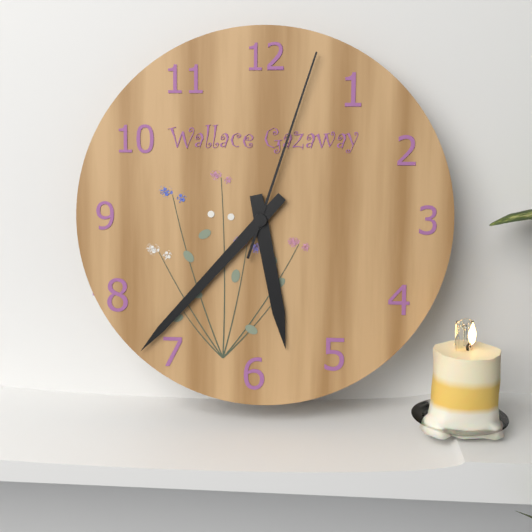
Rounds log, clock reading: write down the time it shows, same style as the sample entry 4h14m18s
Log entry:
5h37m03s
